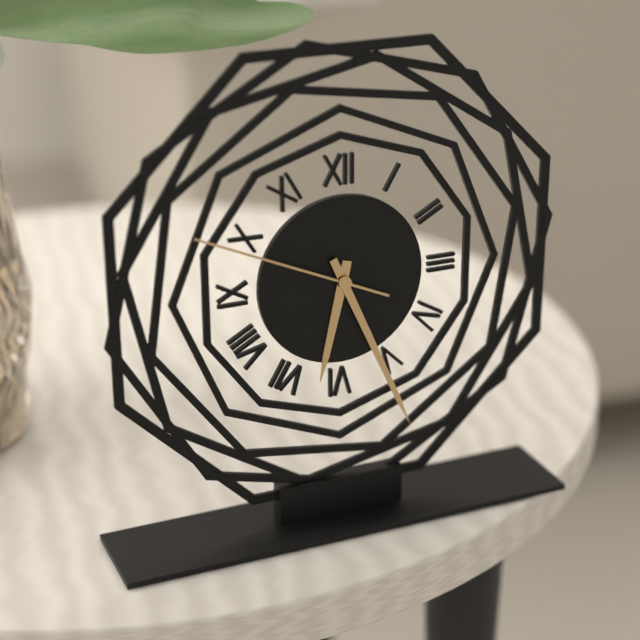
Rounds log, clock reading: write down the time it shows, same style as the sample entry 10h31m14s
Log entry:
6h26m49s
